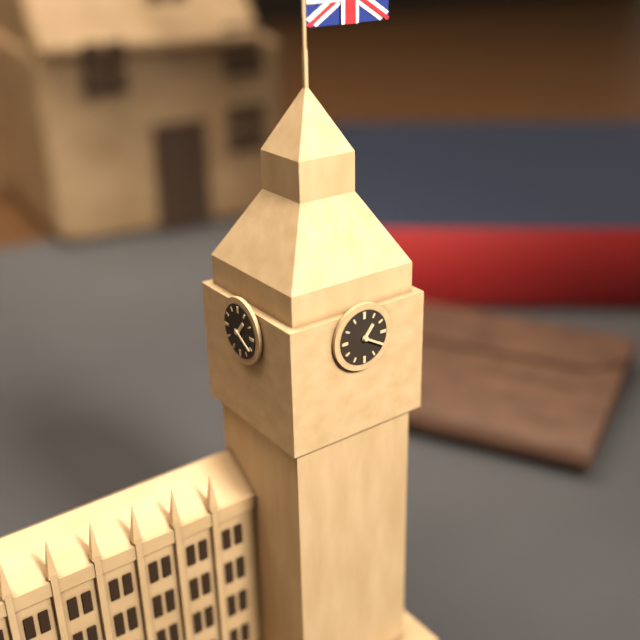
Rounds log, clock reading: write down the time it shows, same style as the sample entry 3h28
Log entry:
1h20
